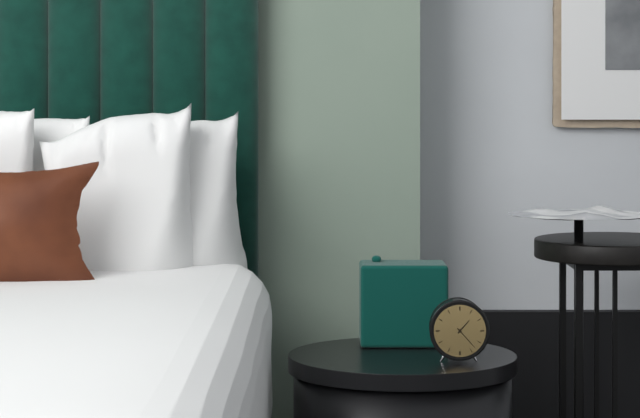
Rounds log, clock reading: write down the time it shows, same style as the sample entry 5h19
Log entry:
1h23
